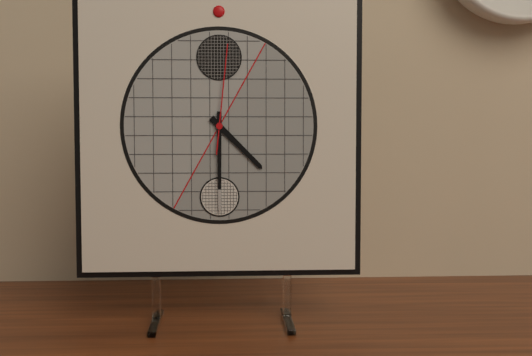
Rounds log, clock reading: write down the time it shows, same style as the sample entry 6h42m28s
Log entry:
4h30m01s
